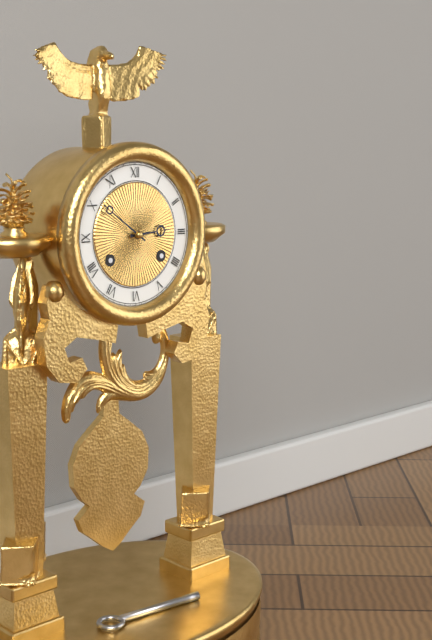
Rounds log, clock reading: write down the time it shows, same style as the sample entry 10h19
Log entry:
2h51
